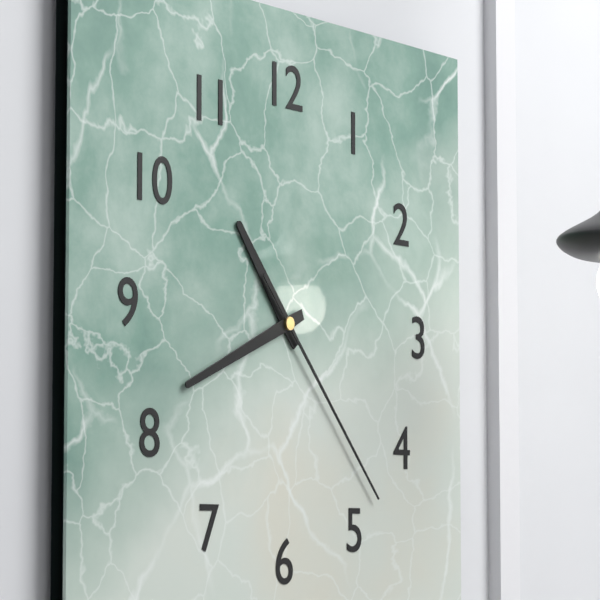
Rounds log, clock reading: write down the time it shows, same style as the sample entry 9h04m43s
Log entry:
10h41m23s
